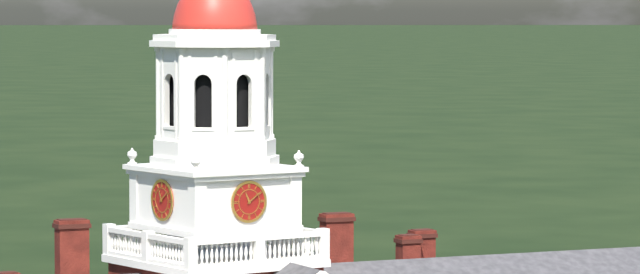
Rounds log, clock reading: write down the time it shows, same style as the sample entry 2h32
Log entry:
11h09
